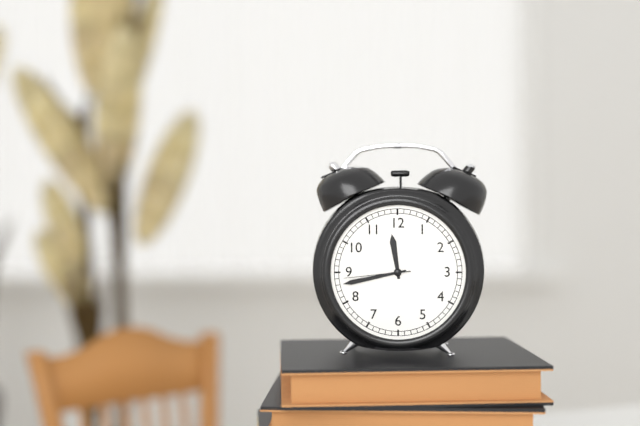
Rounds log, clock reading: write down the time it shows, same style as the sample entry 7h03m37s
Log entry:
11h43m44s
